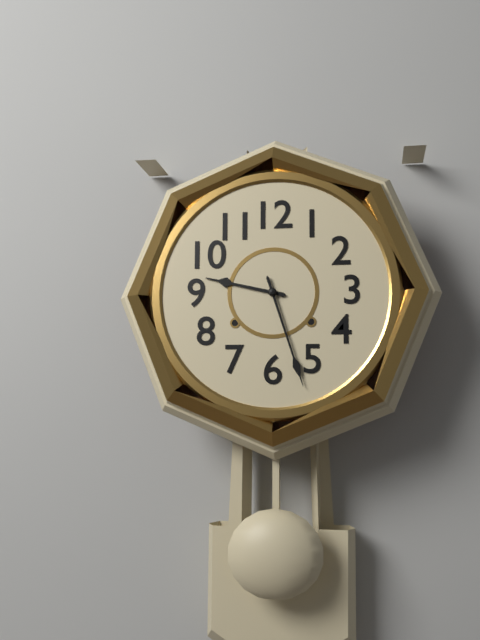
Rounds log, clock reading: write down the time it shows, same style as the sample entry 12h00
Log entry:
9h27
